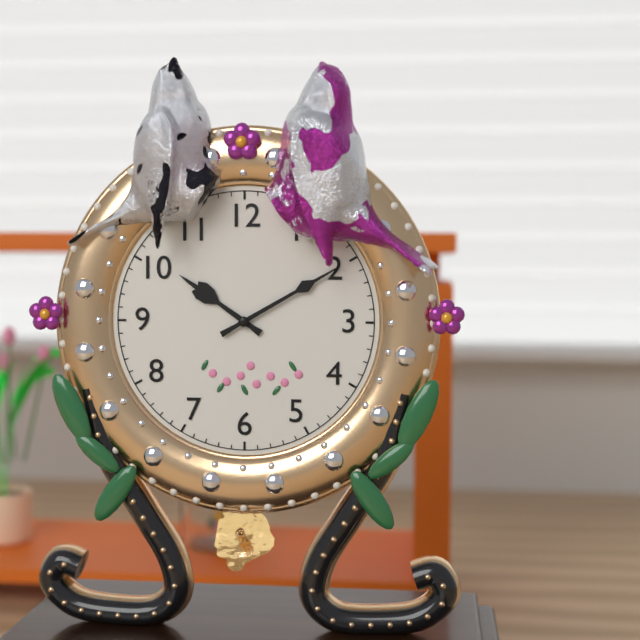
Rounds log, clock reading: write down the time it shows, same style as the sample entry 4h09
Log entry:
10h10
